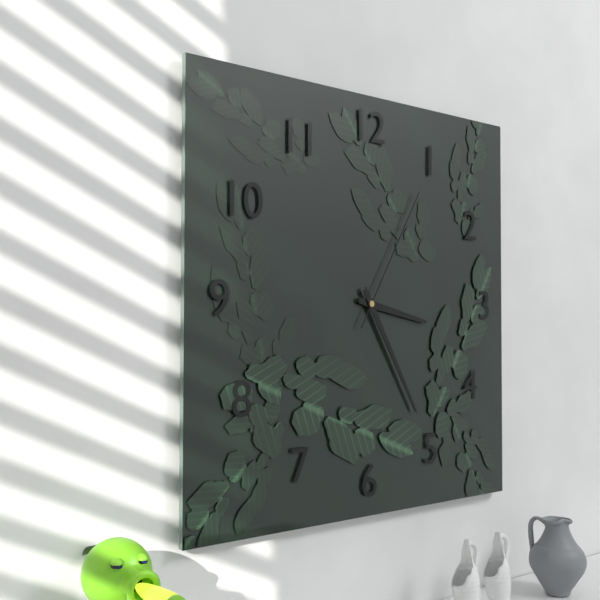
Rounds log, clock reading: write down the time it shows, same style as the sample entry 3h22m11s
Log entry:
3h25m05s
